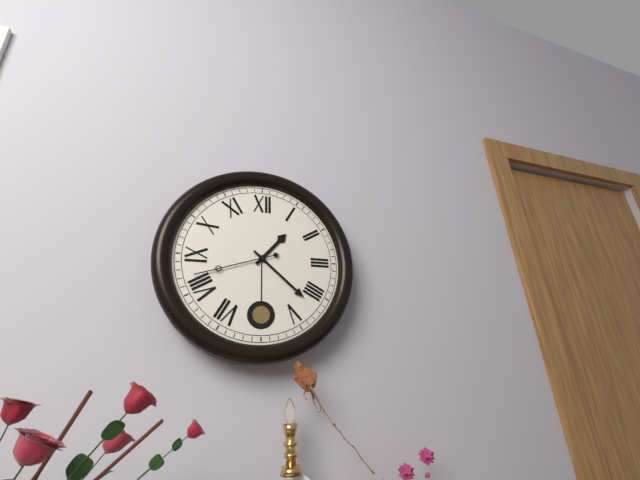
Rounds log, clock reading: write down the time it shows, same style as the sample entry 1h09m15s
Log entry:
1h22m42s
